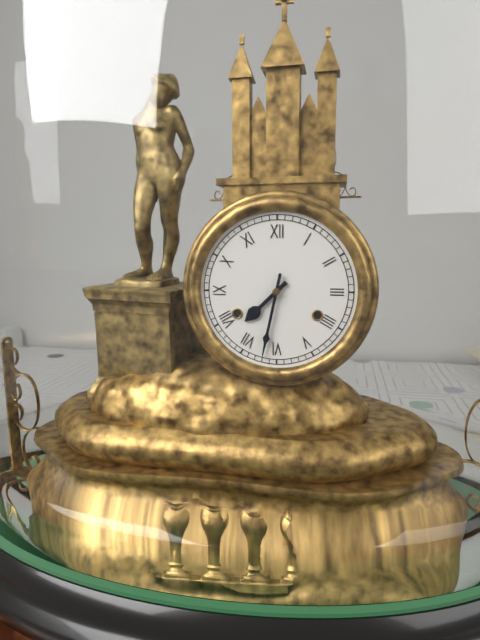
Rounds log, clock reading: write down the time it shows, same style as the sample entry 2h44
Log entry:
7h32
